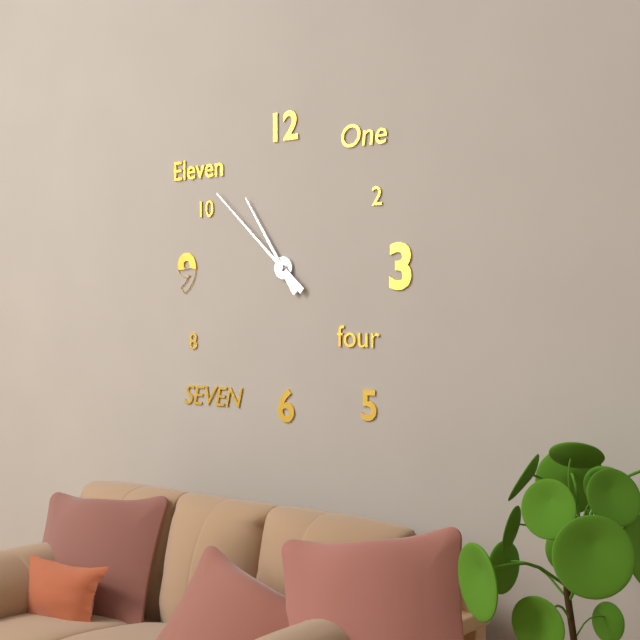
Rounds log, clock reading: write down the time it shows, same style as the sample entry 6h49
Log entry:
10h52
